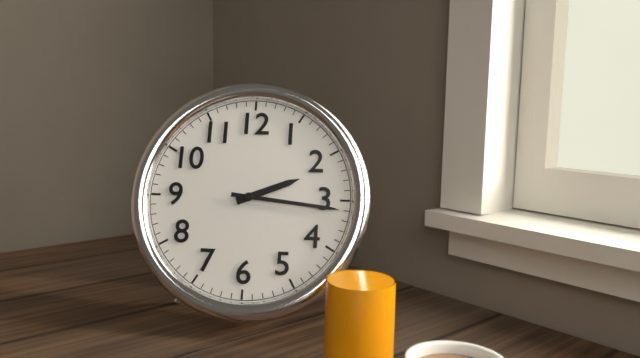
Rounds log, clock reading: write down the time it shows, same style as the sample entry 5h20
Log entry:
2h16
